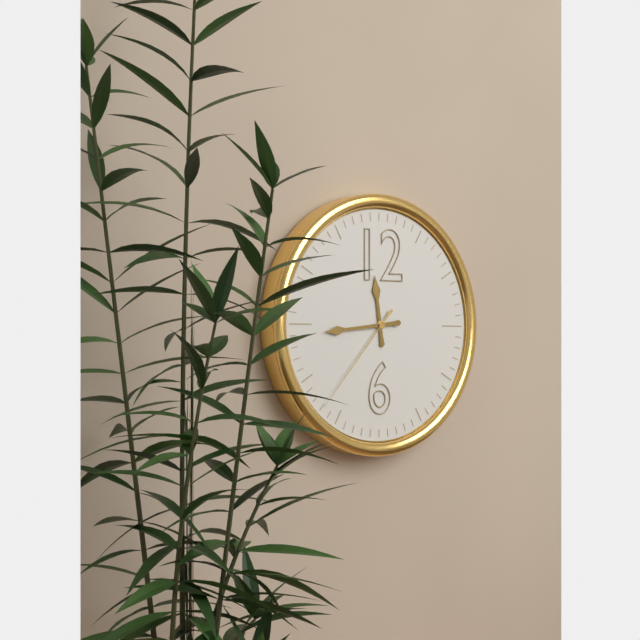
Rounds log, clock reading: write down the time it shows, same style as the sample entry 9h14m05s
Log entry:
11h44m37s
